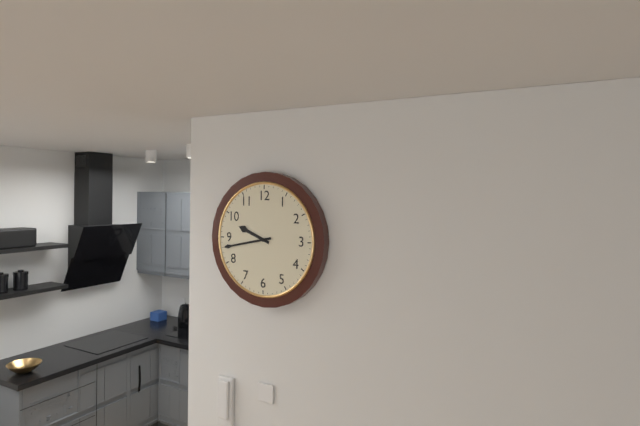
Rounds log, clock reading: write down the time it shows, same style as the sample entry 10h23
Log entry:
9h43
